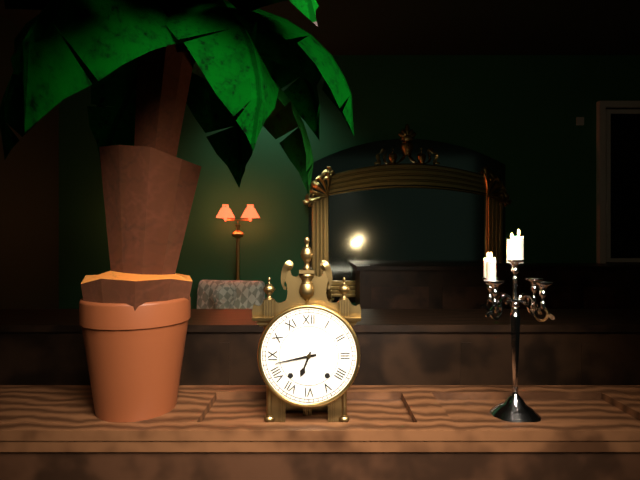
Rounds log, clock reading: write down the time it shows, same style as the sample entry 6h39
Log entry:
6h43
